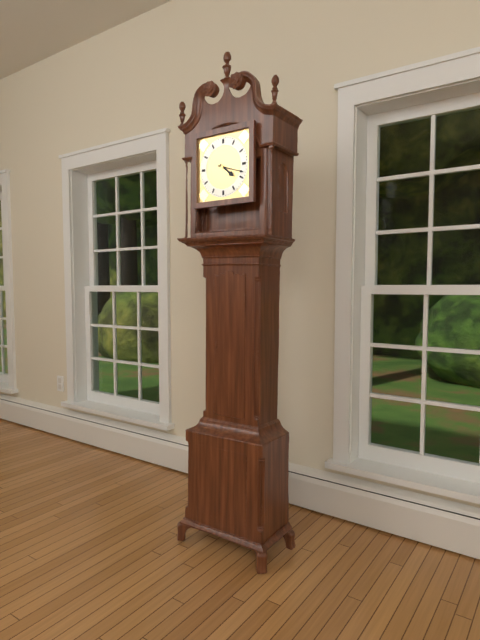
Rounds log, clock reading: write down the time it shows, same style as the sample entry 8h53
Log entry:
4h18
